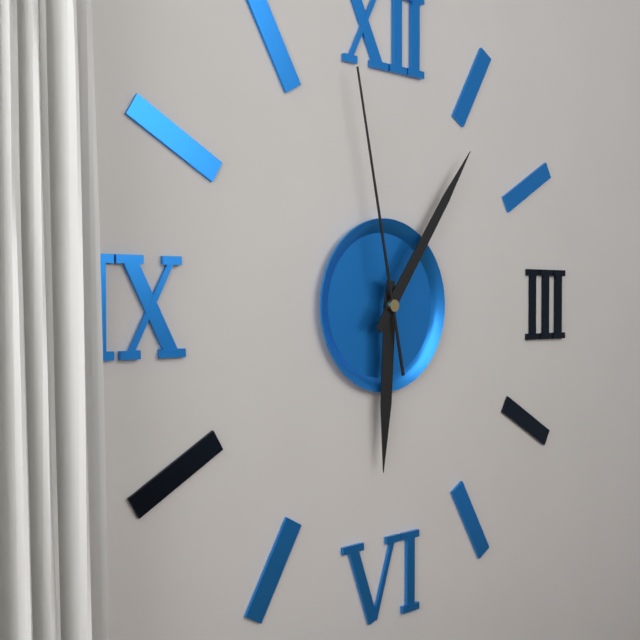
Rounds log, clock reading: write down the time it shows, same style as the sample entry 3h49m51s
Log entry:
6h06m58s
